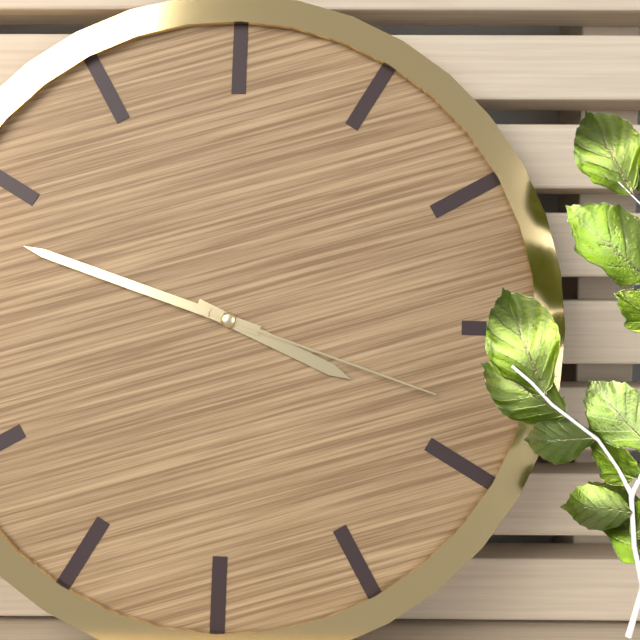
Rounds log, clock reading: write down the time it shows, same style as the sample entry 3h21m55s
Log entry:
3h48m18s
